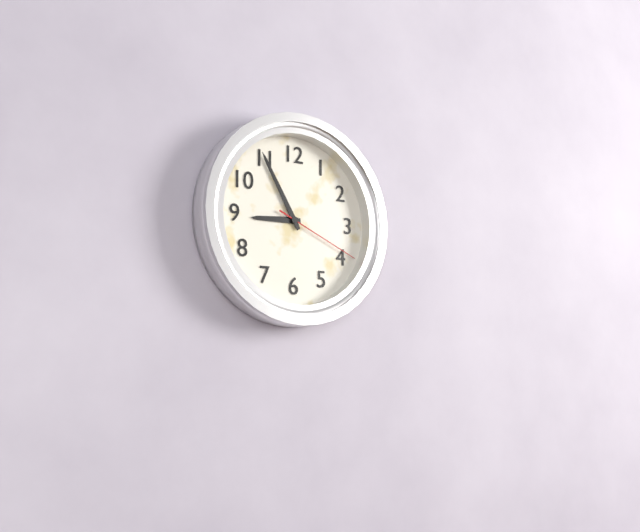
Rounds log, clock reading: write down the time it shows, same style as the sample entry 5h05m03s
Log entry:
8h55m19s
